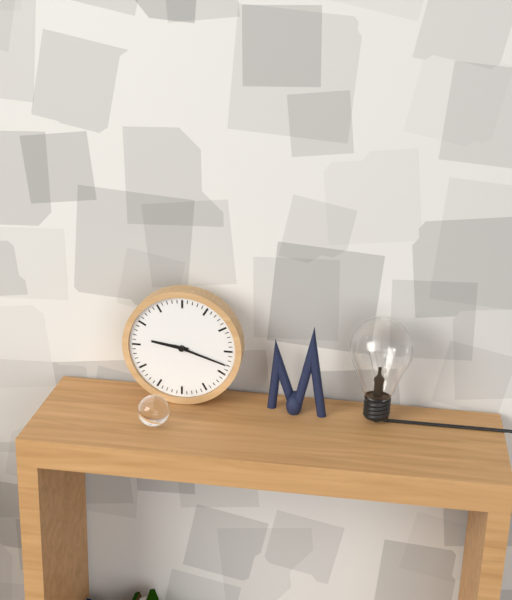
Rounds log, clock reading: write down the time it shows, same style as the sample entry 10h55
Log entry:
9h18
